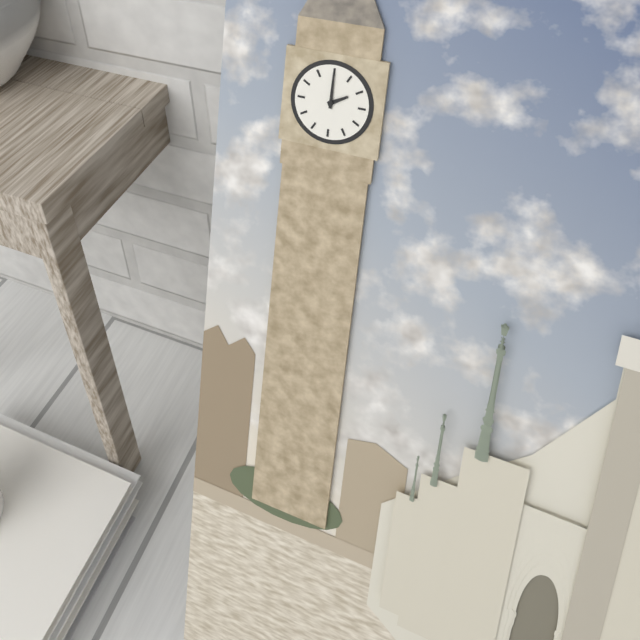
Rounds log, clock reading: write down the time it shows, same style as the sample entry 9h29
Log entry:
2h00
